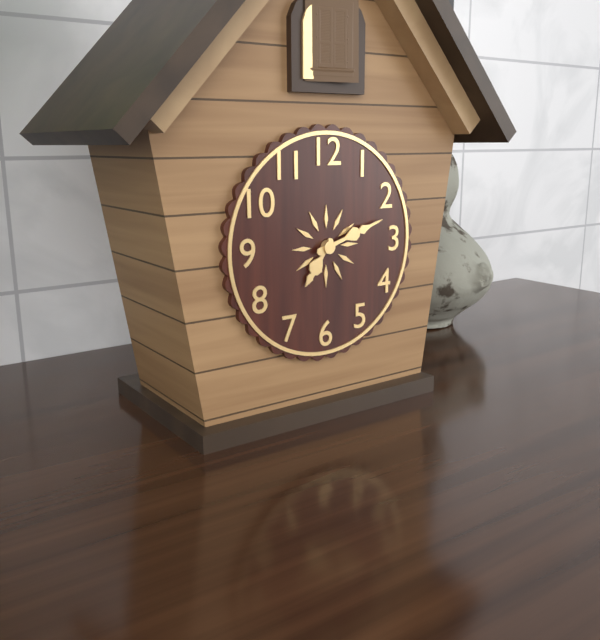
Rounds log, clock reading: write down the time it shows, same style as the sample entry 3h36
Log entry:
7h12
